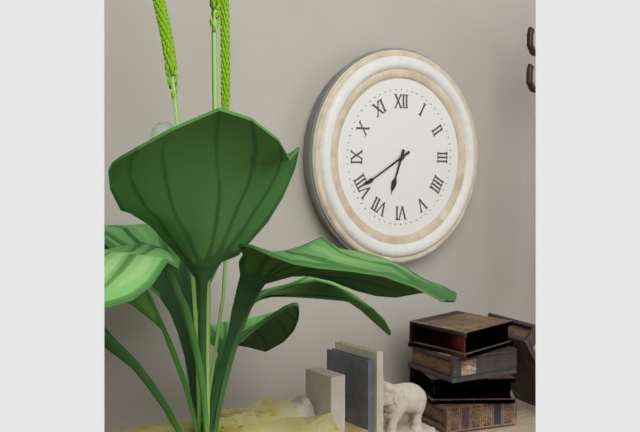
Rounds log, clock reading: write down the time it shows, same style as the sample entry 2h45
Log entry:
6h40
